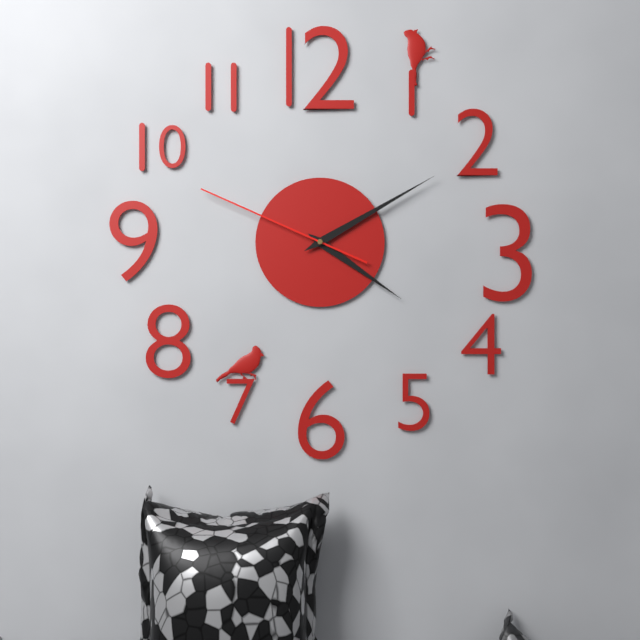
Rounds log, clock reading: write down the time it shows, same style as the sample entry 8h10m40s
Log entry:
4h10m49s
